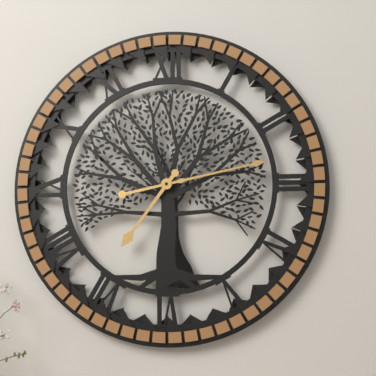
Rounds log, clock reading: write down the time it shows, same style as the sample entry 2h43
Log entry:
7h13
